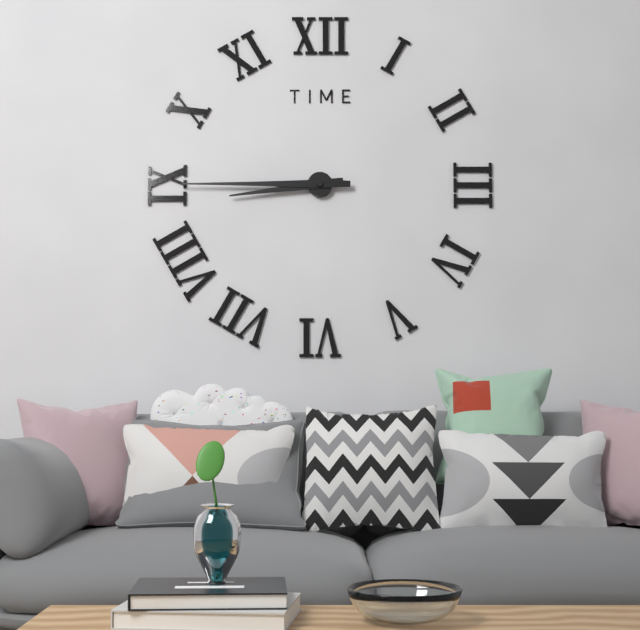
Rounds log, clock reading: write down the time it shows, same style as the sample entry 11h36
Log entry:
8h45
